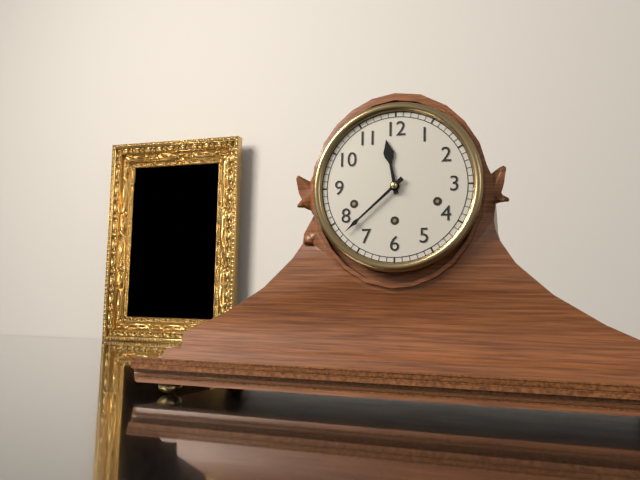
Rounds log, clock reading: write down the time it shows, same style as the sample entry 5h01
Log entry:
11h38
